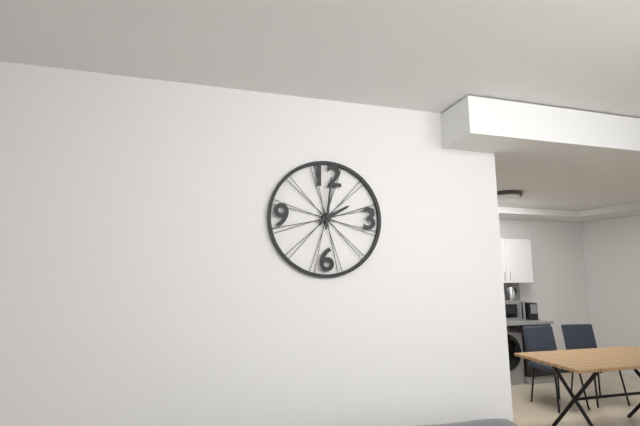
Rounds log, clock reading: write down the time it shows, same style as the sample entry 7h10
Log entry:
2h01
